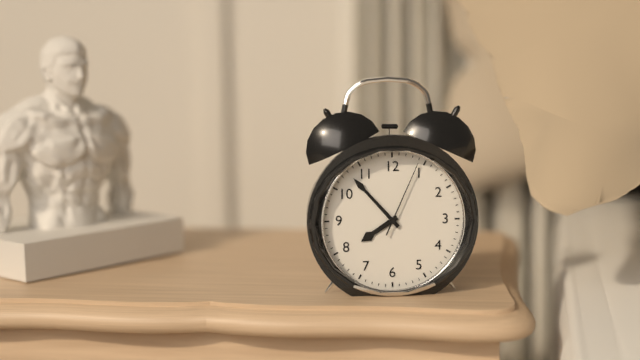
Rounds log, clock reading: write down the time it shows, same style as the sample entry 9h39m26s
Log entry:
7h53m04s
